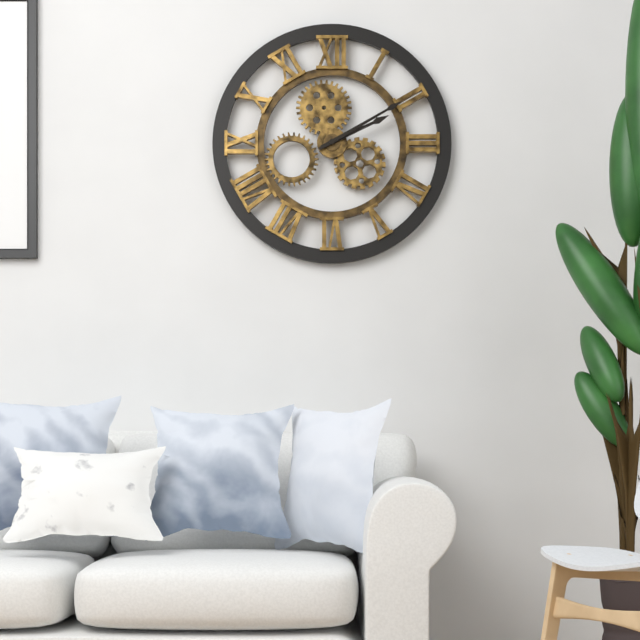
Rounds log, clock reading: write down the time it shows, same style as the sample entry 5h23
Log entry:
2h10
